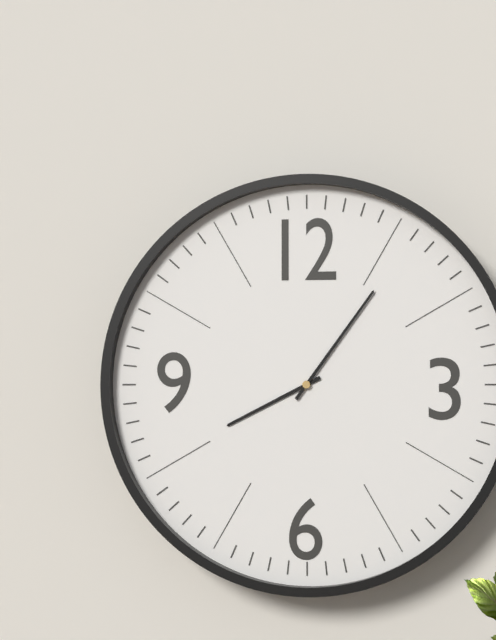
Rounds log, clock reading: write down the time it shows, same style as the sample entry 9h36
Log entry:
8h06
